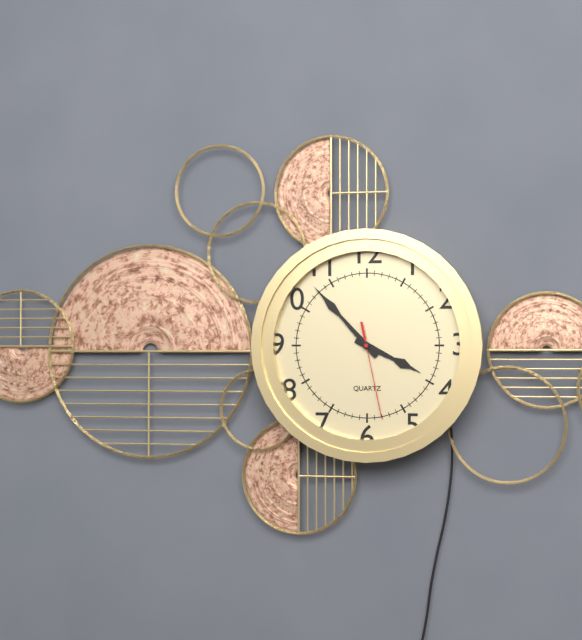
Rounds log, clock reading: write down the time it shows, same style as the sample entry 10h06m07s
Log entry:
3h53m28s
